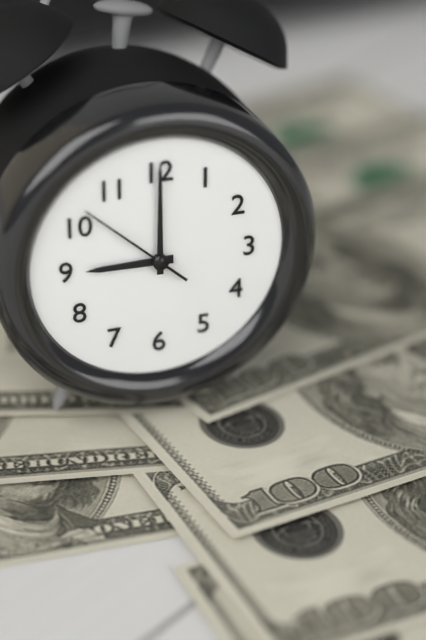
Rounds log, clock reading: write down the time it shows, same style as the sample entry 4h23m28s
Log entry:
9h00m52s
